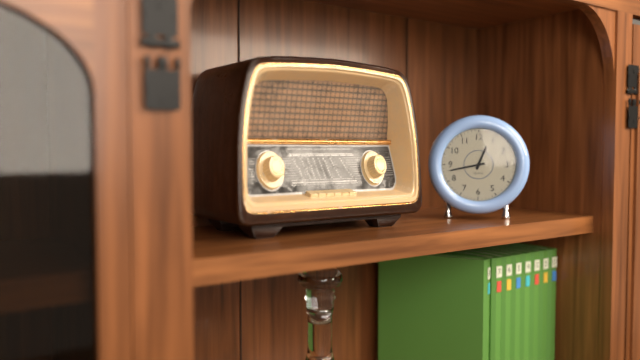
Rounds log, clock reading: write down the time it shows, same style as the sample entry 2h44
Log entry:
12h43
